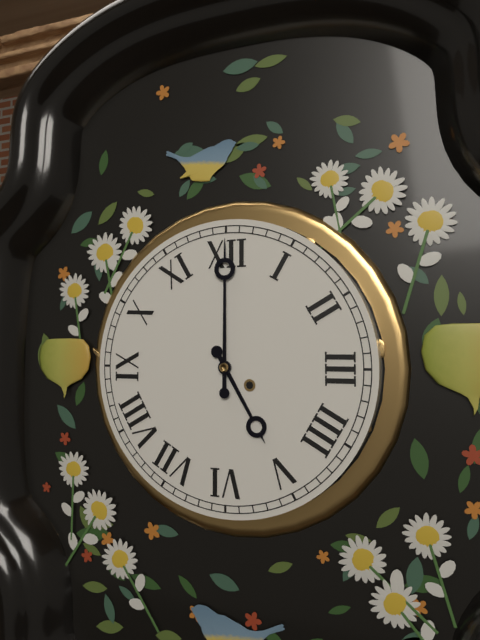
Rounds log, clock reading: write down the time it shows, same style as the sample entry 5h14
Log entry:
5h00
